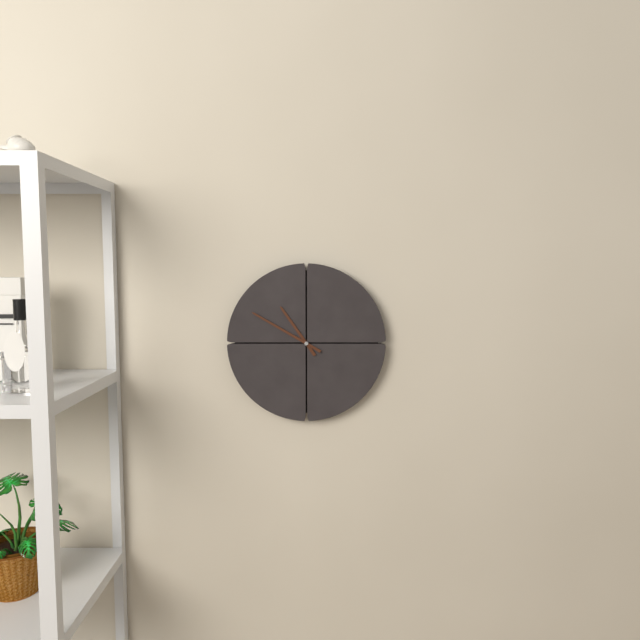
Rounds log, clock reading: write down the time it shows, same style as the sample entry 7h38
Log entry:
10h50
